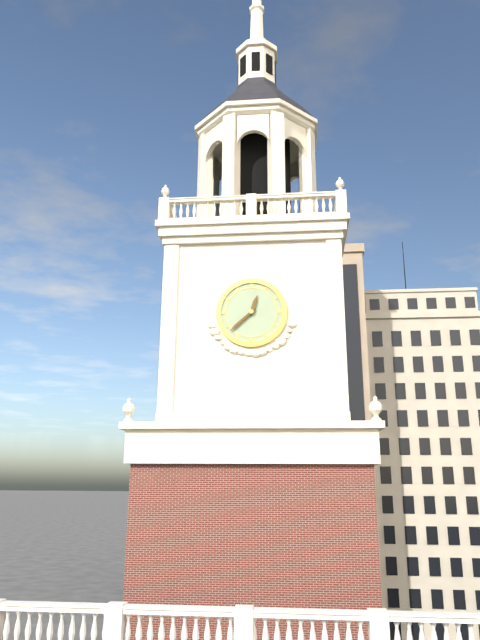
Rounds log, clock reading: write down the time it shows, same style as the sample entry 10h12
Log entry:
12h38
